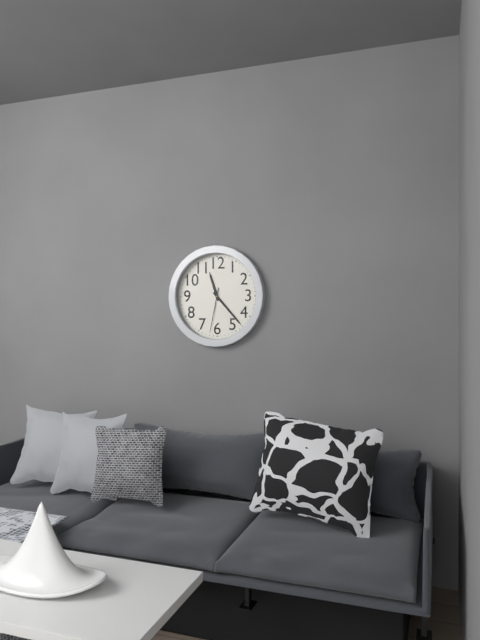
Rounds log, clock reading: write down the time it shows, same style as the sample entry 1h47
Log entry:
11h23
